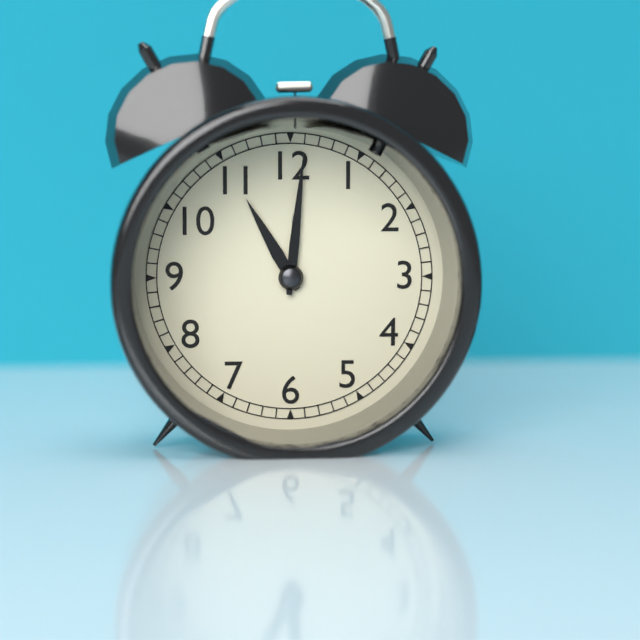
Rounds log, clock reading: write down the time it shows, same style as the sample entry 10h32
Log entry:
11h01
